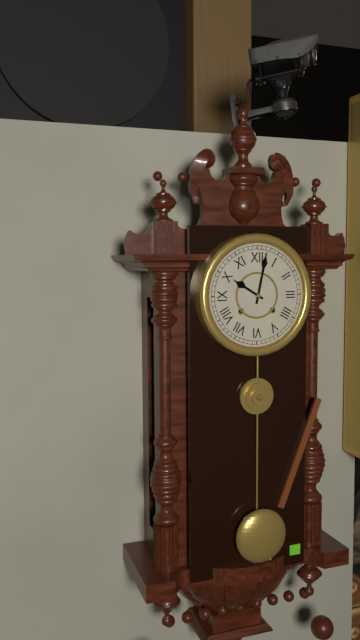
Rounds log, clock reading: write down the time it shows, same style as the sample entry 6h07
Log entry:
10h02
